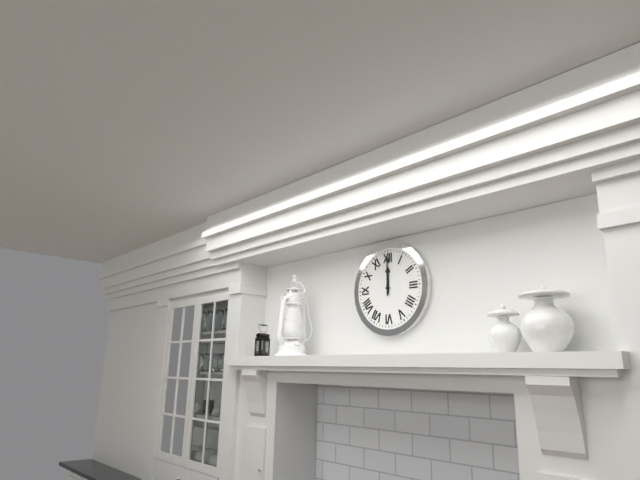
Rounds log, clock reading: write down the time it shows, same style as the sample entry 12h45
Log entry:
12h00
